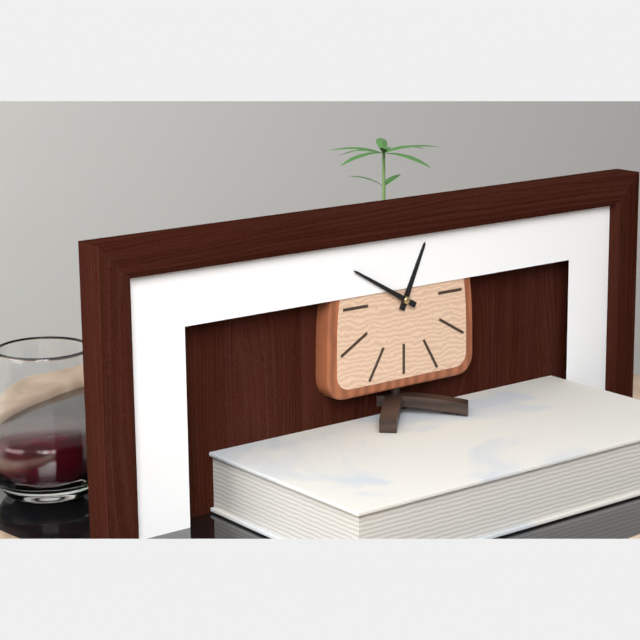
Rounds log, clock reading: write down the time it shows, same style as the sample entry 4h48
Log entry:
12h50
